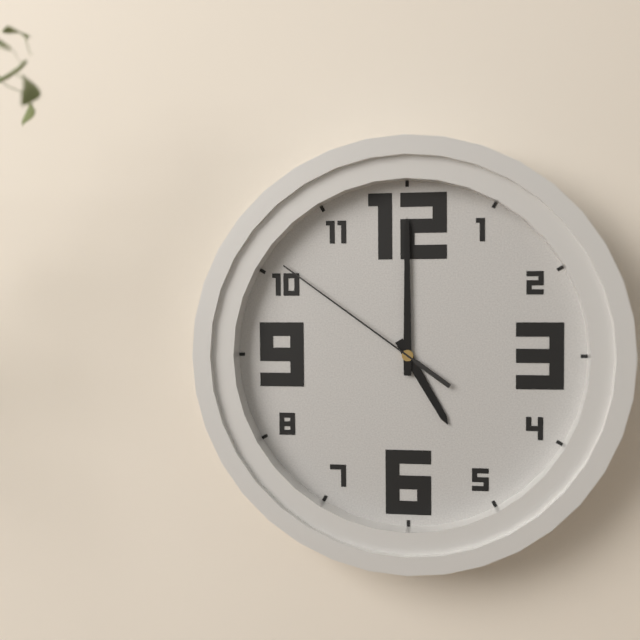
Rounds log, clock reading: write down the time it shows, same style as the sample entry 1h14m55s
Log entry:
5h00m51s
